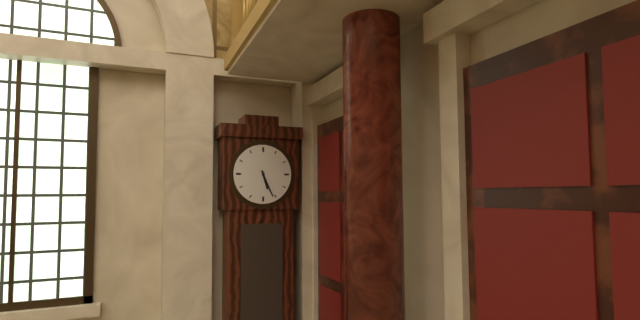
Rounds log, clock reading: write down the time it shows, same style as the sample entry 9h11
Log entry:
5h26
